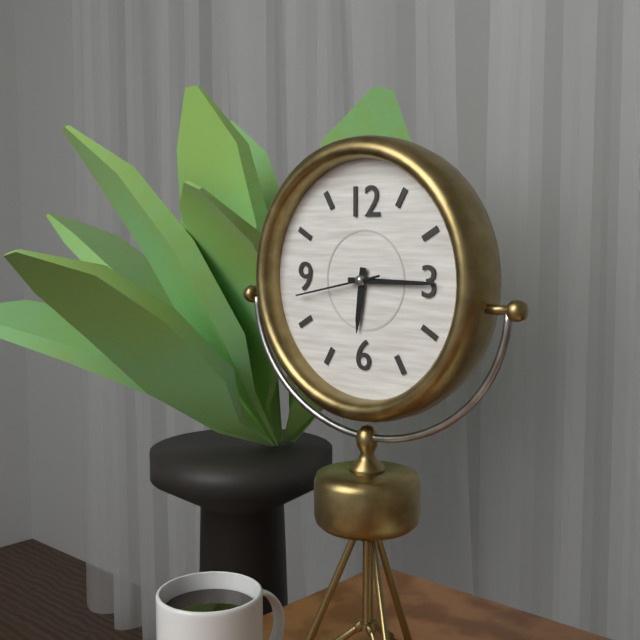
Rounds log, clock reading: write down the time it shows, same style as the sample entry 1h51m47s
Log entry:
6h15m43s
